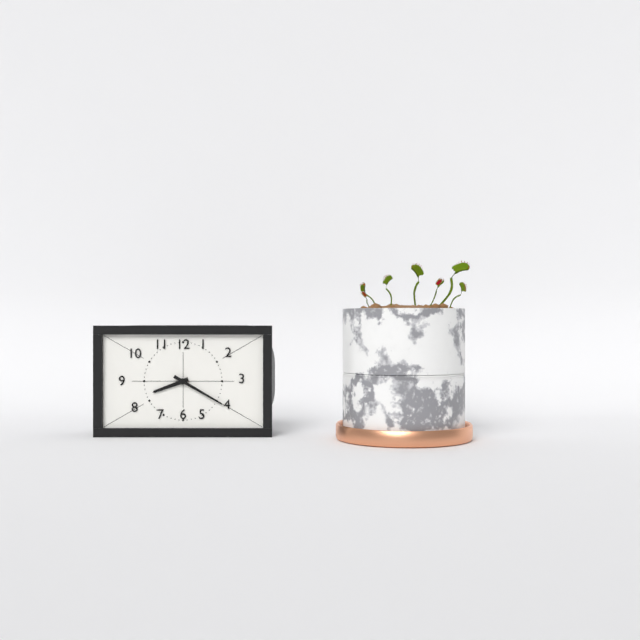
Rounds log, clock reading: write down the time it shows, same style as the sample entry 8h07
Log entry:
8h20
